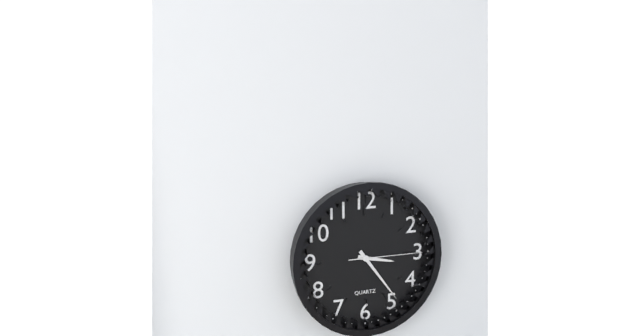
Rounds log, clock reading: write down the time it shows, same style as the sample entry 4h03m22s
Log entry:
3h24m15s
